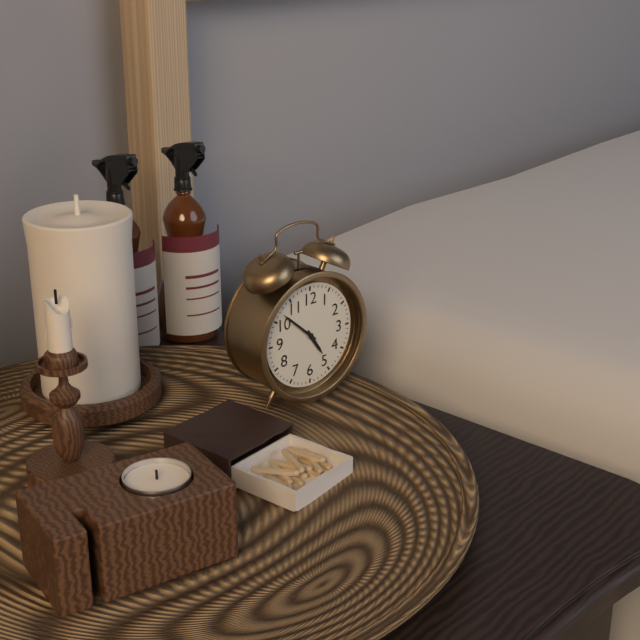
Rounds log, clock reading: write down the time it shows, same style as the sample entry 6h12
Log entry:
4h52
